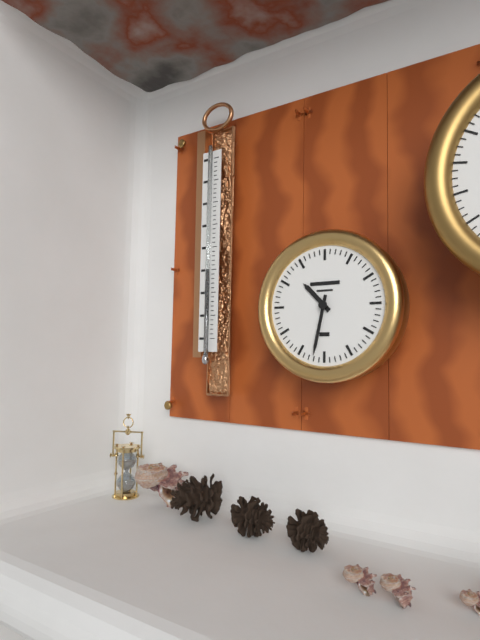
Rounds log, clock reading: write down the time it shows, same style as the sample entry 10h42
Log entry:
10h32
